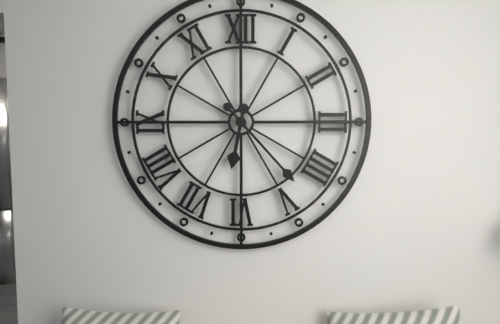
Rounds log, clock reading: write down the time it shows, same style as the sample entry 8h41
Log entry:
6h23
